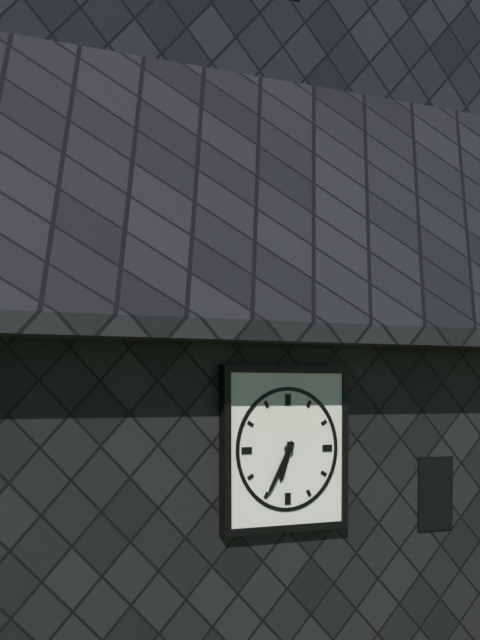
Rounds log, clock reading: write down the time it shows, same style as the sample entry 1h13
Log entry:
6h35
